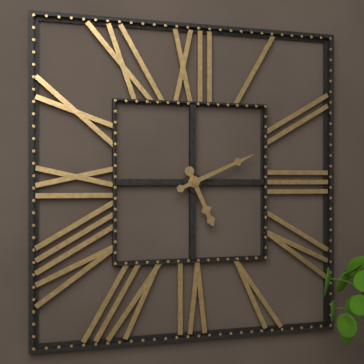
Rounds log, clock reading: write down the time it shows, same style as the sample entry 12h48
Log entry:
5h11
